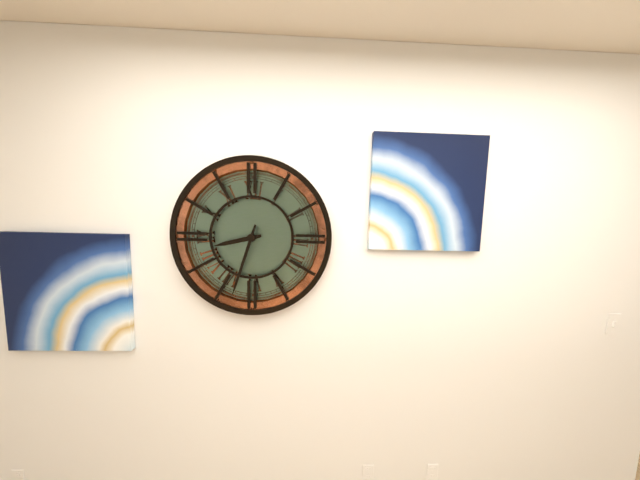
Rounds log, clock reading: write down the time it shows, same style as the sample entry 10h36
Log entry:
8h33
